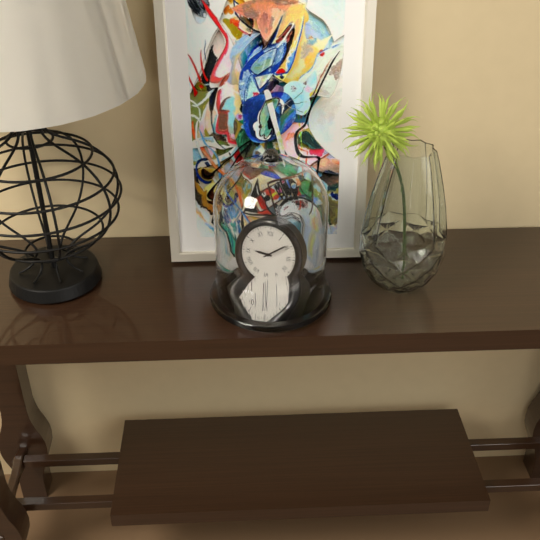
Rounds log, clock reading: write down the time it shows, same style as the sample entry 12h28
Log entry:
9h09
